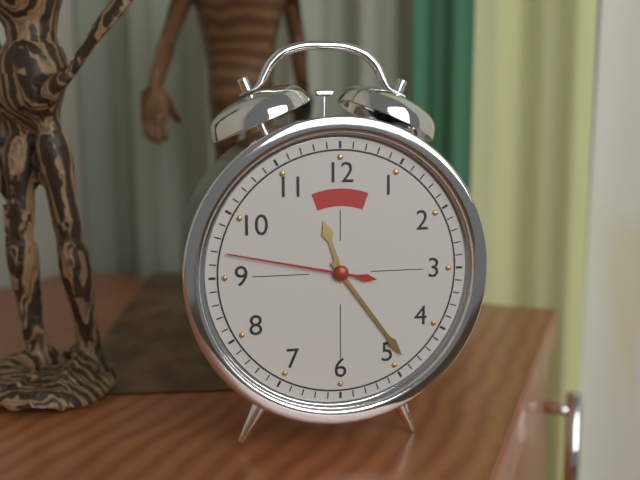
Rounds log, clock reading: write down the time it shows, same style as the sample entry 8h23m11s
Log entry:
11h24m47s
